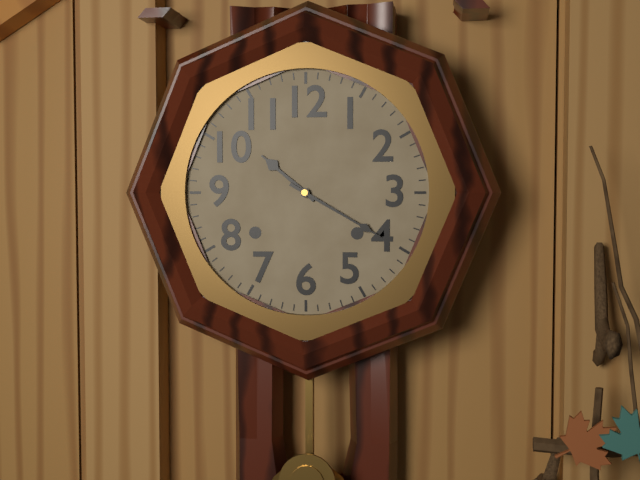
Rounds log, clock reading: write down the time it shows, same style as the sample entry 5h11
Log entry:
10h20
